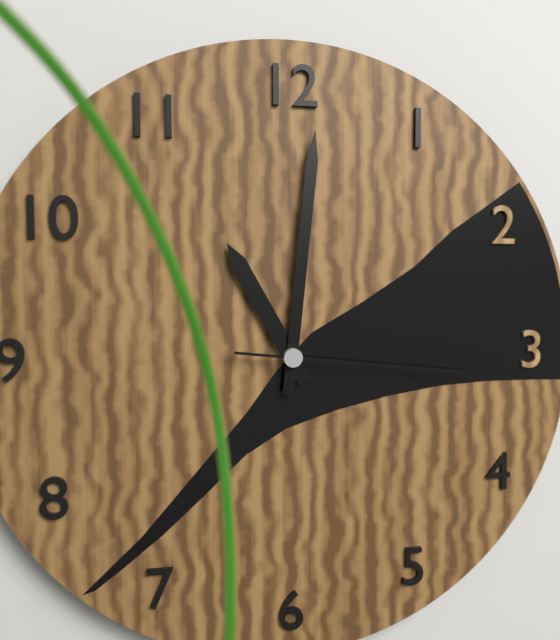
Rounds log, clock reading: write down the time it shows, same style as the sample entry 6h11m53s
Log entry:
11h01m16s
